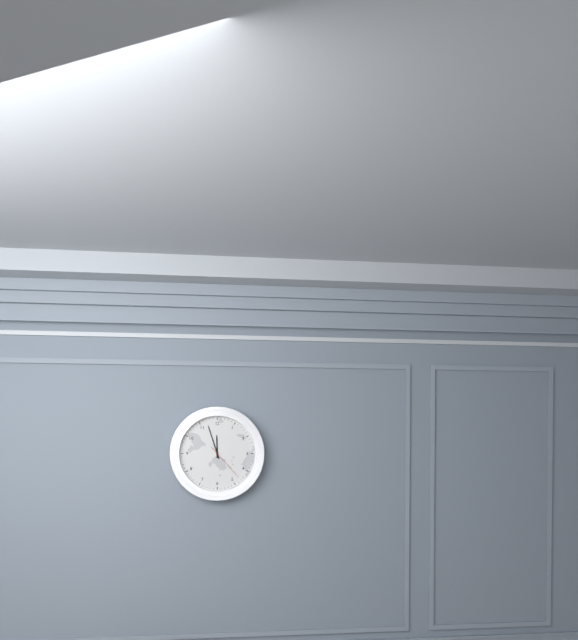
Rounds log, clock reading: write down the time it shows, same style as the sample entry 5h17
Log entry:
11h57
